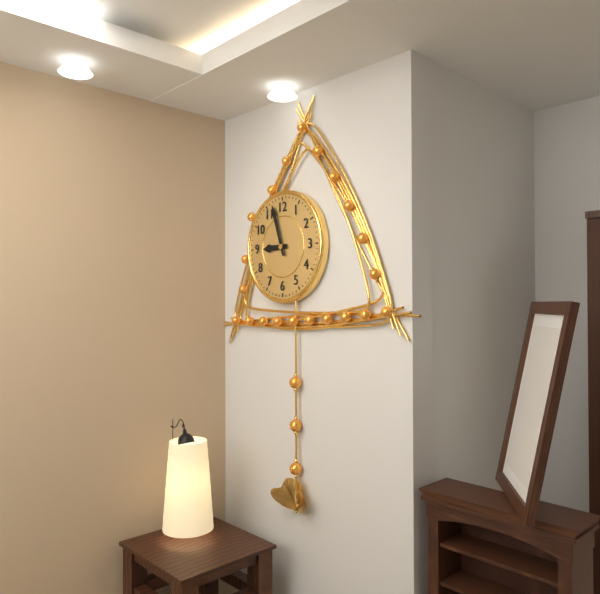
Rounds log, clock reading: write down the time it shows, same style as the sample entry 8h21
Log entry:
8h57
